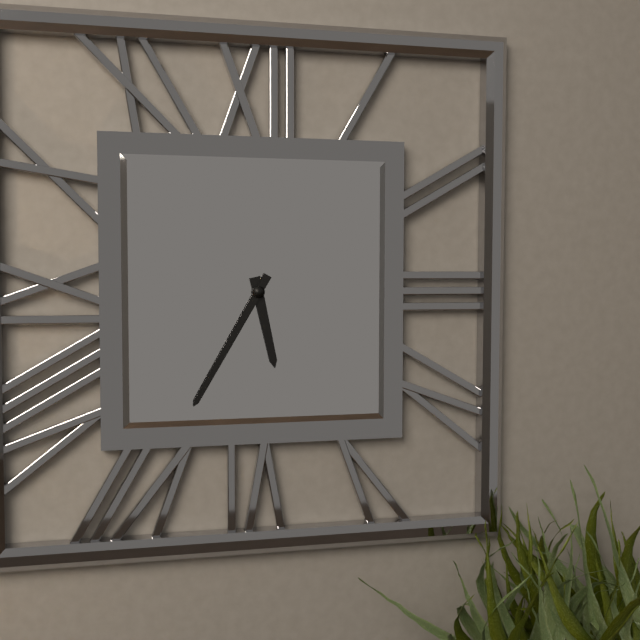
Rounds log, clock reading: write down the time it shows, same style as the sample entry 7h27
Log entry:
5h35
